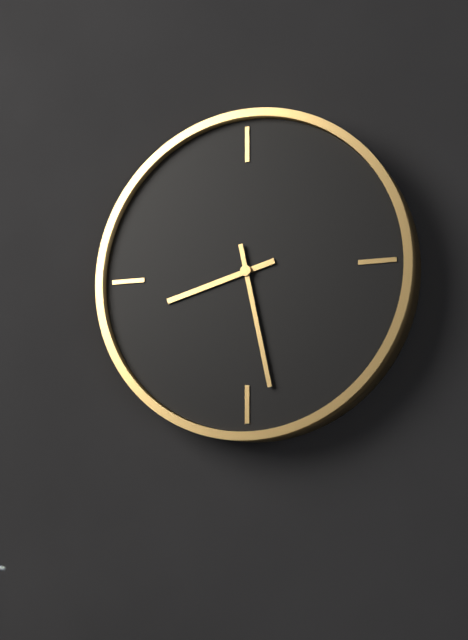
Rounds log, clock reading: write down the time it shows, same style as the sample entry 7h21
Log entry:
8h28
